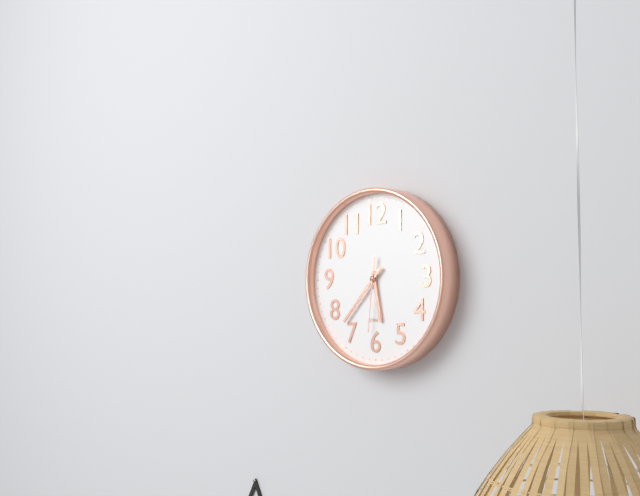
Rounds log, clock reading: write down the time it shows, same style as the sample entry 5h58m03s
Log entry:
5h37m31s
